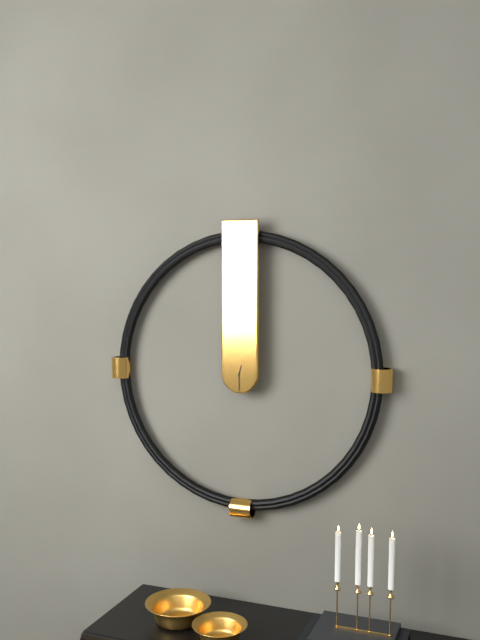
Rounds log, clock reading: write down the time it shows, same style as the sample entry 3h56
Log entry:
12h30
